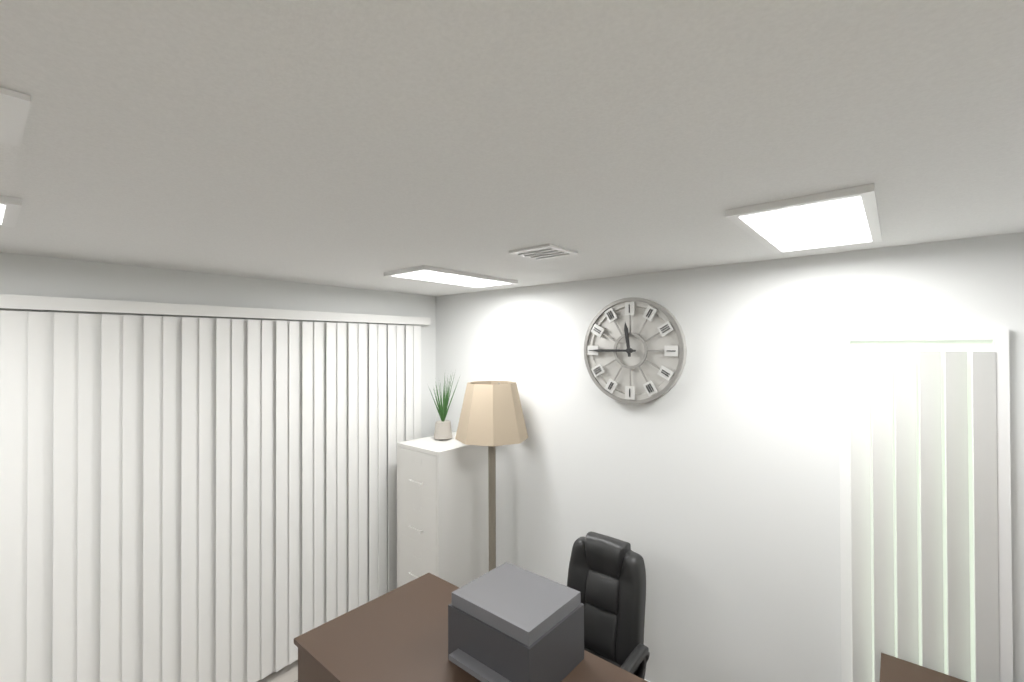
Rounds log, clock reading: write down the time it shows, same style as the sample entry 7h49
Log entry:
11h45
